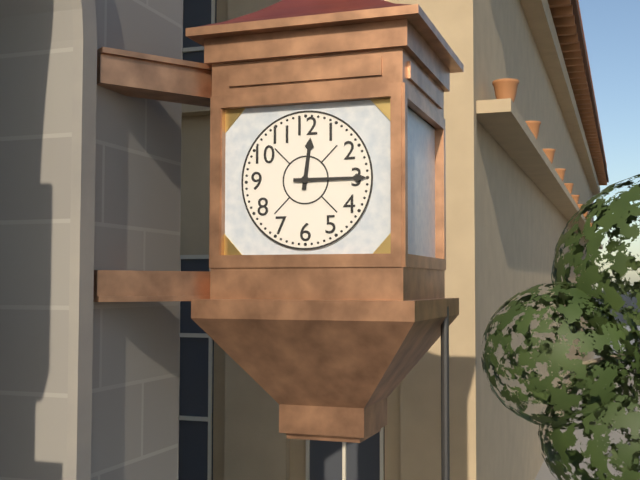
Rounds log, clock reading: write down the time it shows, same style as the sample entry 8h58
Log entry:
12h15
